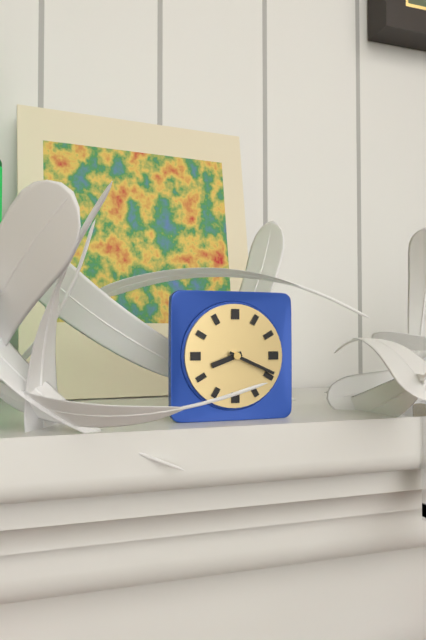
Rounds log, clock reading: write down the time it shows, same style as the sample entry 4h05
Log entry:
8h19
